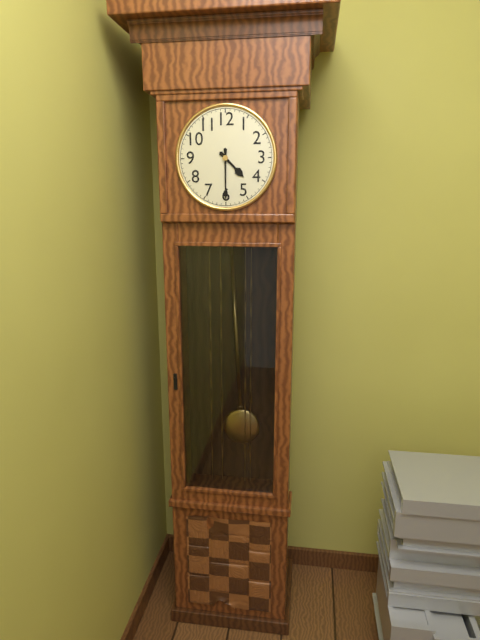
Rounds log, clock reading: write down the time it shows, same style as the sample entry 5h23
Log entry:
4h30
